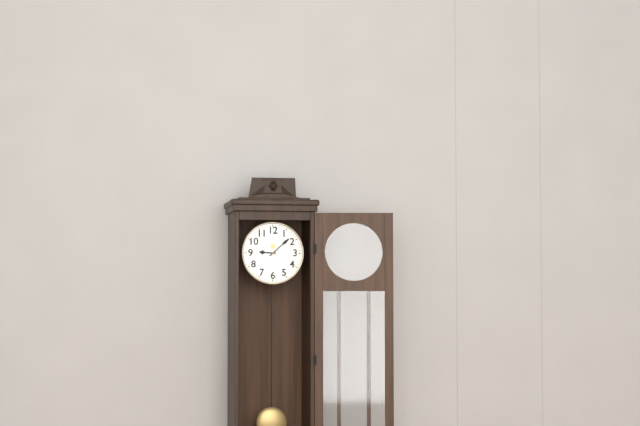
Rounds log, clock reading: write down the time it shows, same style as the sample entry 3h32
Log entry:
9h08
